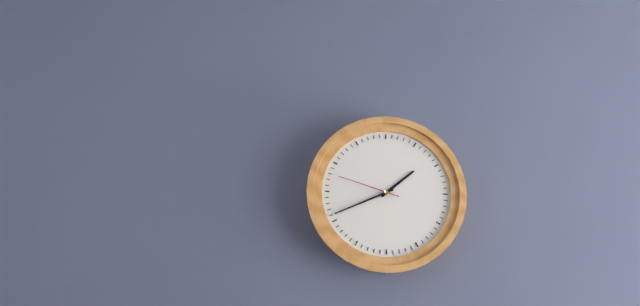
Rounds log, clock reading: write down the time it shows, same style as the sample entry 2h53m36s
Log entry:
1h41m48s
